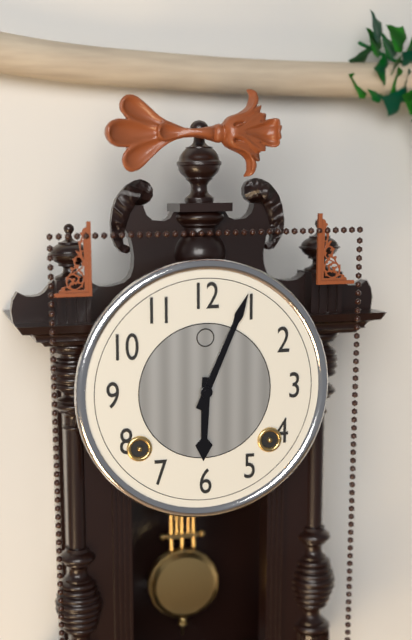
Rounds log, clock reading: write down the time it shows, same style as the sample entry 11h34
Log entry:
6h04
